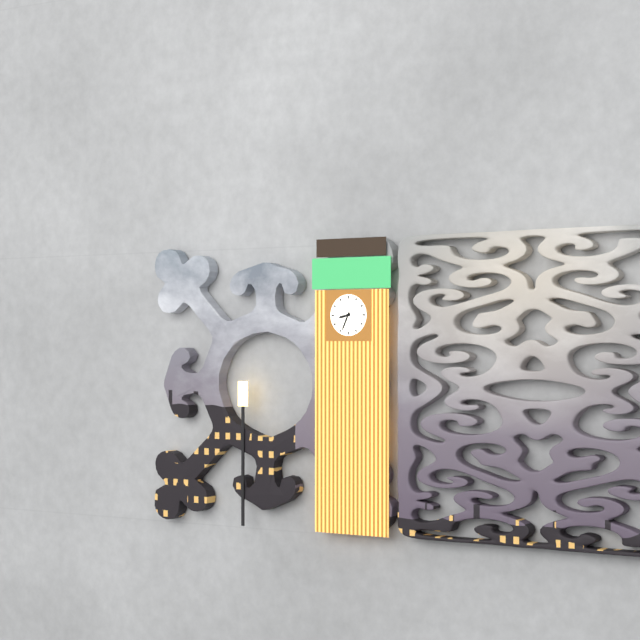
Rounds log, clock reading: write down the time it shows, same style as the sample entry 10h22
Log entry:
8h34
